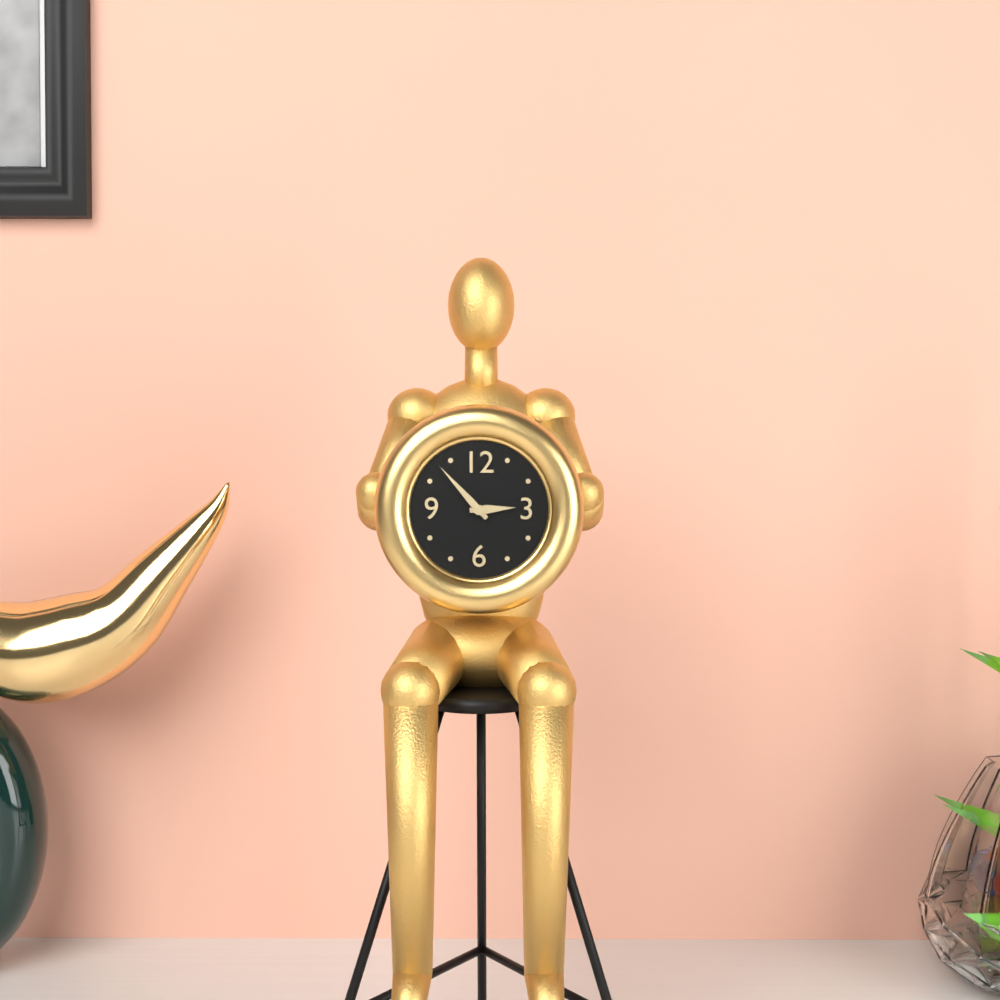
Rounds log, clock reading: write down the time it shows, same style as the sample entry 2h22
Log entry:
2h53
